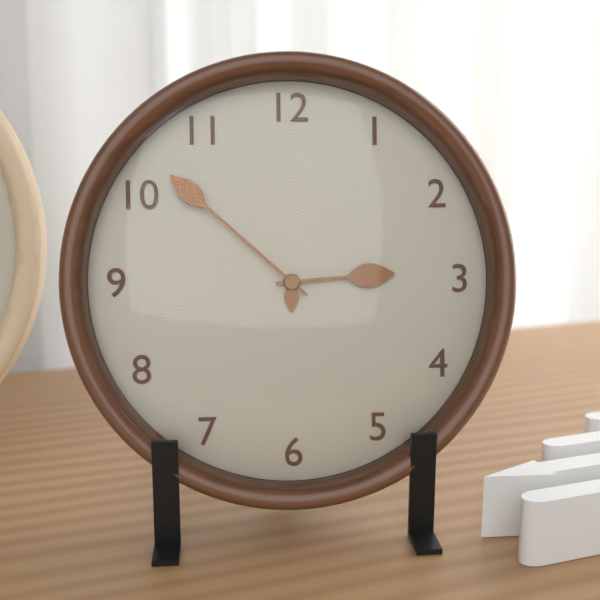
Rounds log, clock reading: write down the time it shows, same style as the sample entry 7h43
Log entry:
2h52
